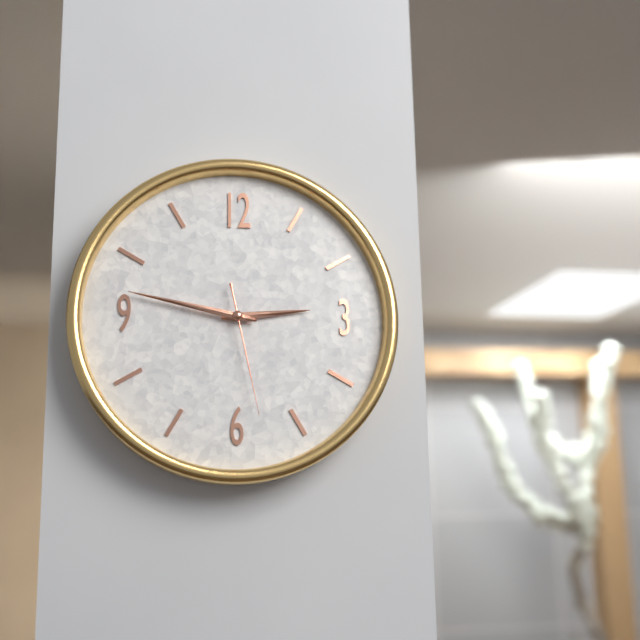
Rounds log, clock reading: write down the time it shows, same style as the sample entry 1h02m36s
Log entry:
2h47m28s
